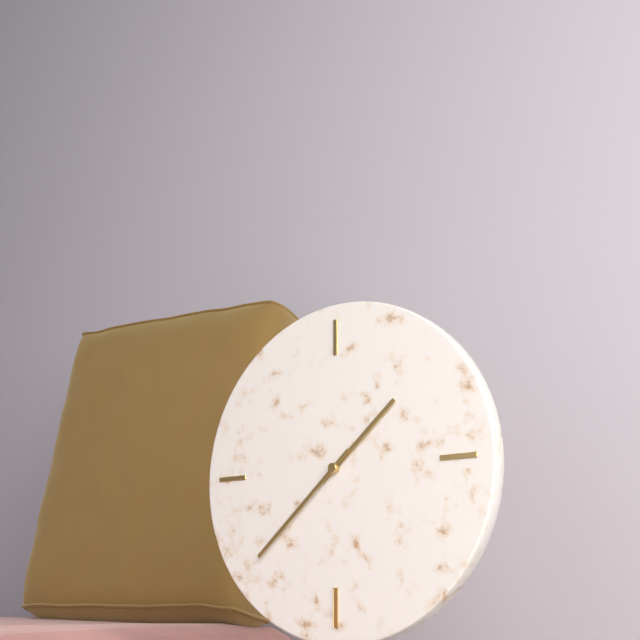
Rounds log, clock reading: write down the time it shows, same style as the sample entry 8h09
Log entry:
1h38
